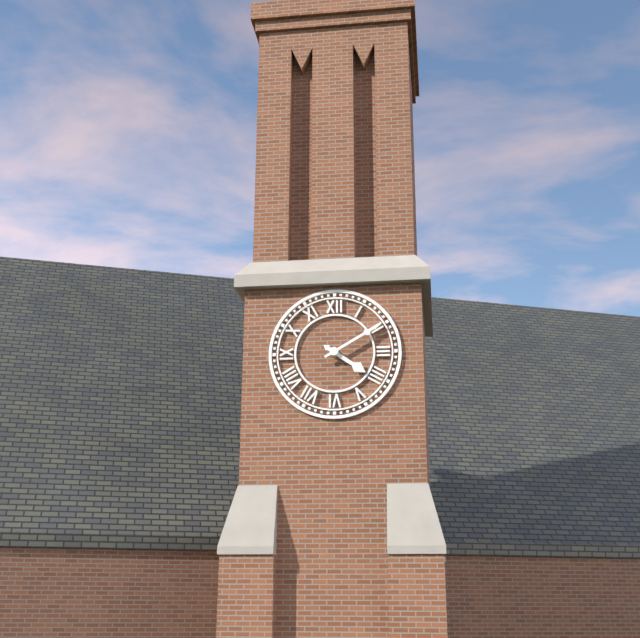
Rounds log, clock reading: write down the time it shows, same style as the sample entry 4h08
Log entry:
4h10
